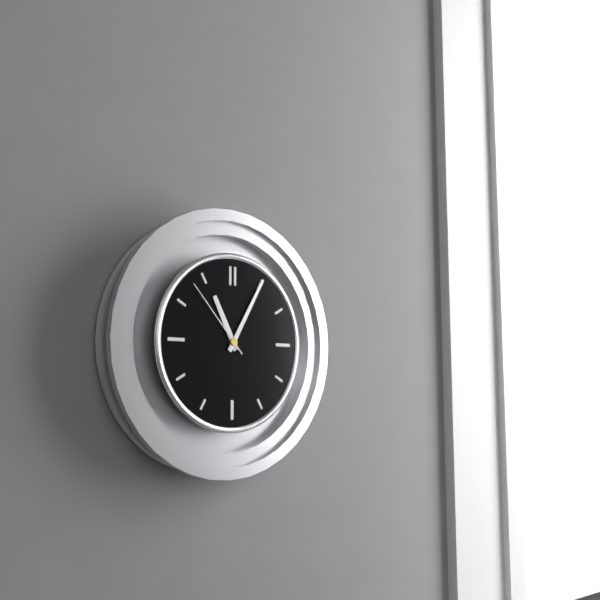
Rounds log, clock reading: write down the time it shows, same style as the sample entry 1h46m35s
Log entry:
11h05m53s
